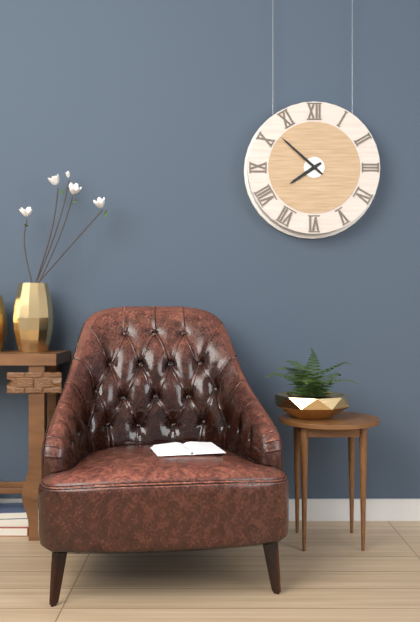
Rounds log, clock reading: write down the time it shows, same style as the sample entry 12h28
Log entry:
7h52
